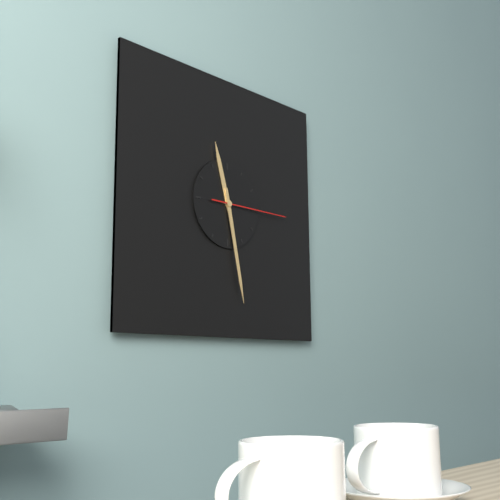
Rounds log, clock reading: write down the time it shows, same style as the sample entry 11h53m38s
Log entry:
11h28m15s
